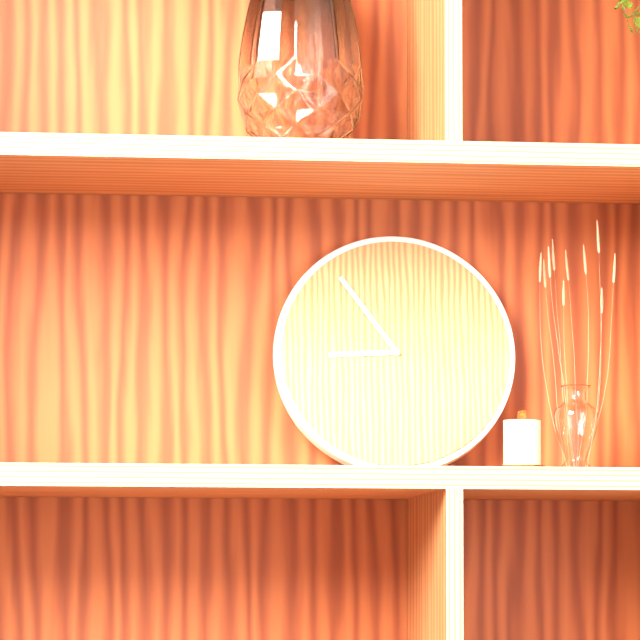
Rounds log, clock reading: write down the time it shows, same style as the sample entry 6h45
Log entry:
8h54
